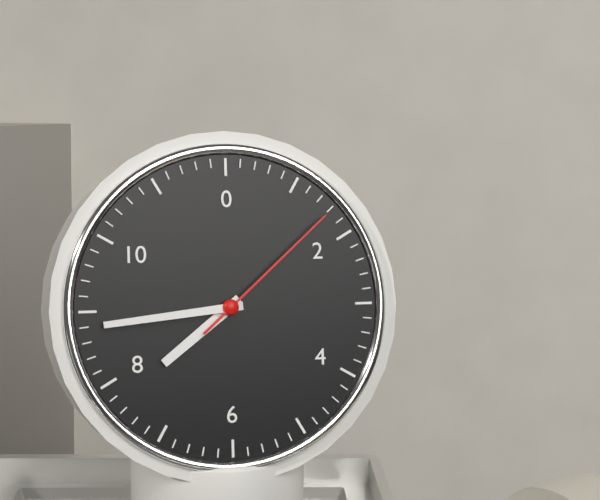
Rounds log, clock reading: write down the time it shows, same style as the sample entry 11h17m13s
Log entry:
7h44m08s
